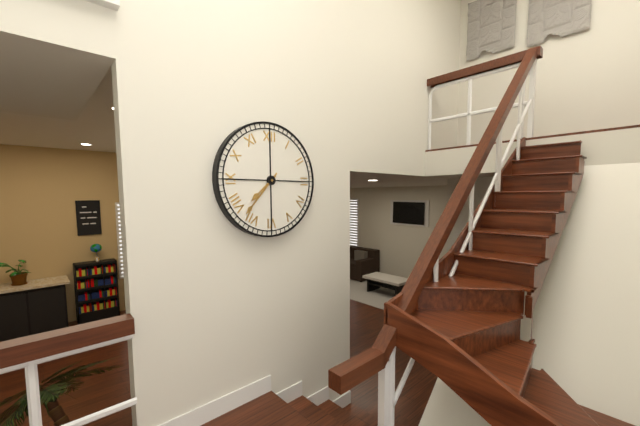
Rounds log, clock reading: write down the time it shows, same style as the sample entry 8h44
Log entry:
7h37
